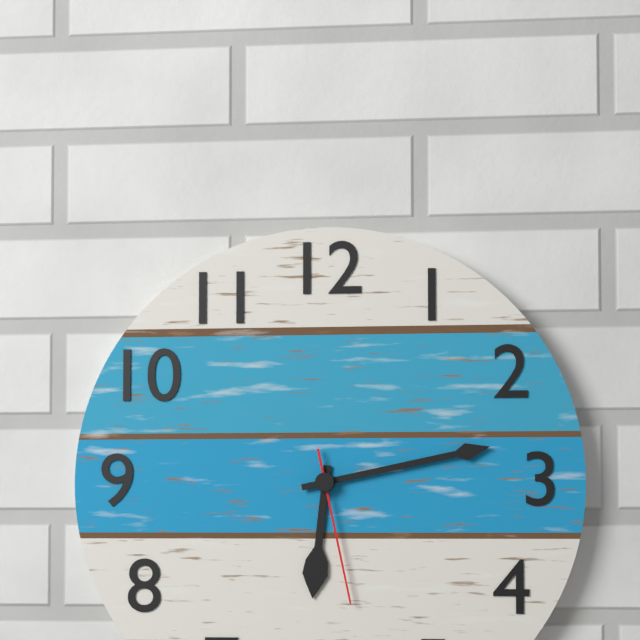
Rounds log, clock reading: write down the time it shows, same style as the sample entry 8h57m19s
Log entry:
6h13m28s
